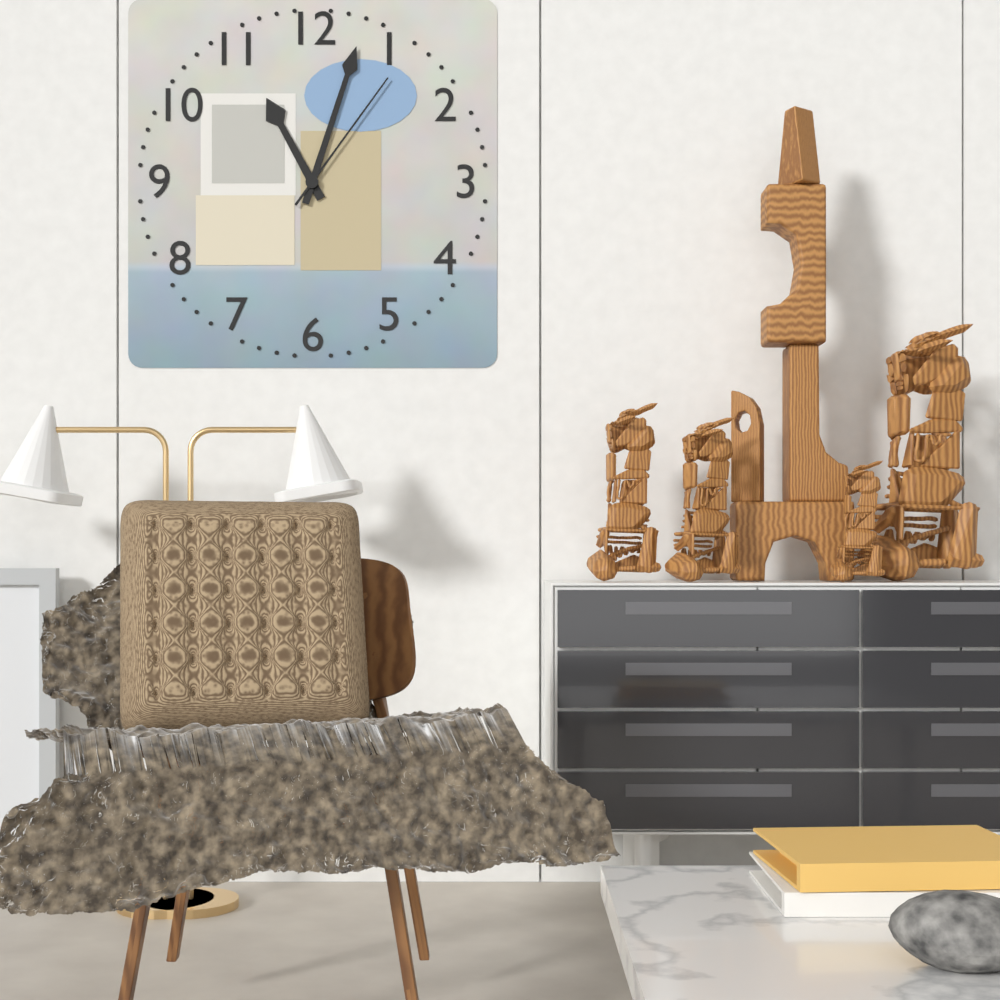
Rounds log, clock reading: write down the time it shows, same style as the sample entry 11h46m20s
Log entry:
11h03m06s
